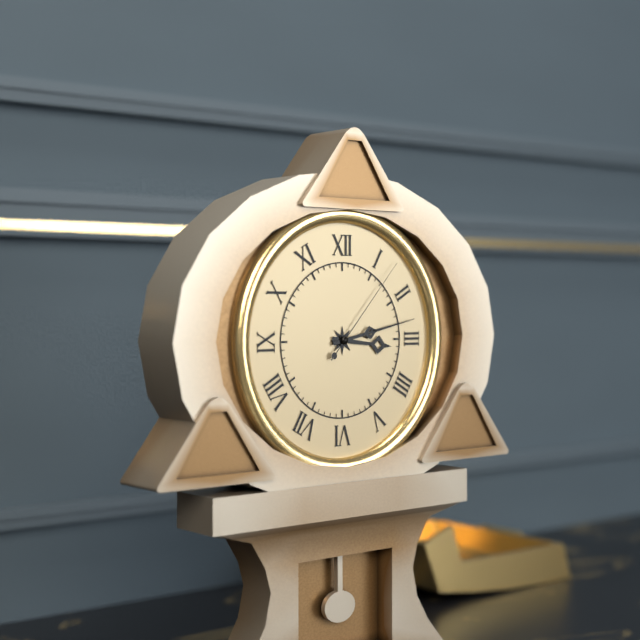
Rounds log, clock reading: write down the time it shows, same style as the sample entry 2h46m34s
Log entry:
3h13m07s
